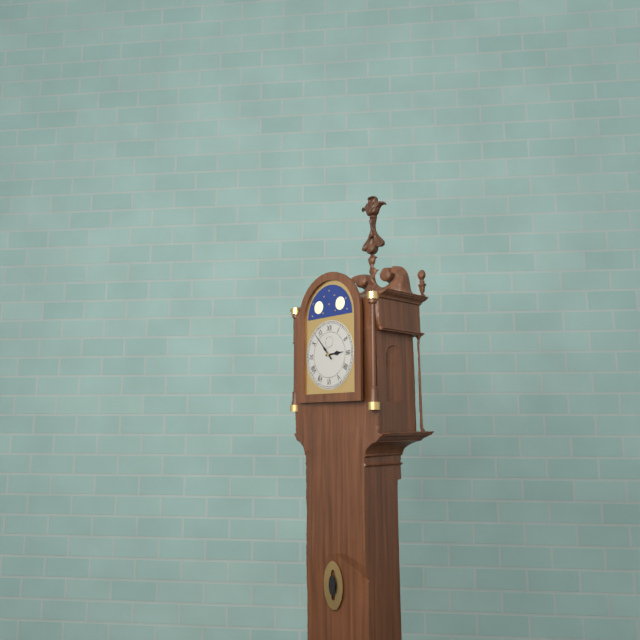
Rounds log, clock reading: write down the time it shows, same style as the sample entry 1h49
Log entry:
2h53
